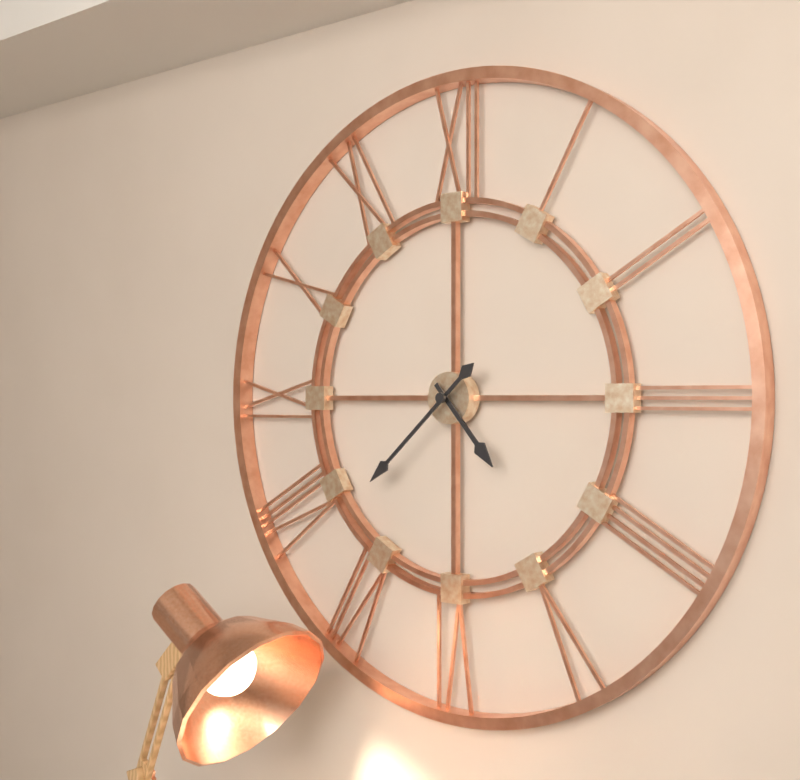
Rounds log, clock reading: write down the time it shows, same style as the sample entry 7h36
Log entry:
4h38
